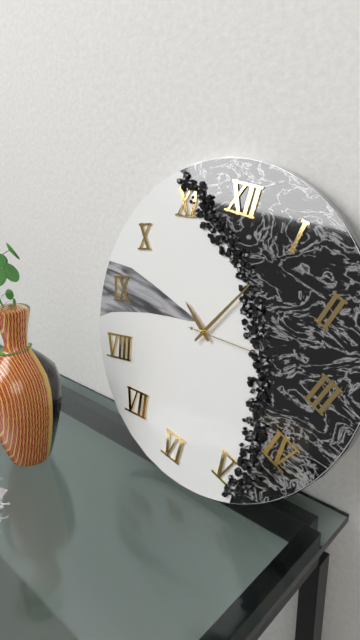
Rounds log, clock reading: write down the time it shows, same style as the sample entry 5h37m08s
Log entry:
10h05m14s
